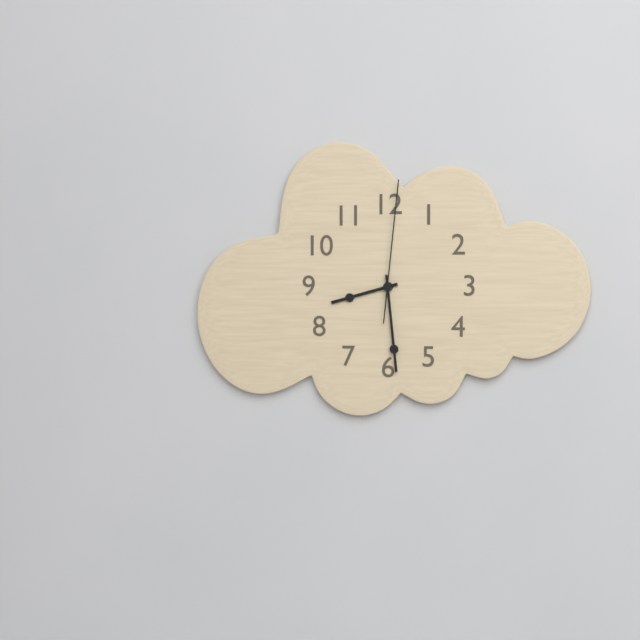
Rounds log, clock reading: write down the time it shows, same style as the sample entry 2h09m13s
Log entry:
8h29m01s
